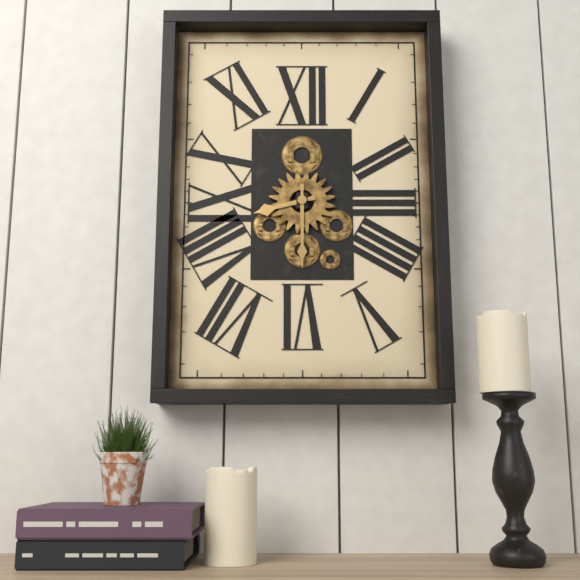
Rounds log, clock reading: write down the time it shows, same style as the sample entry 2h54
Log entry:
8h30
